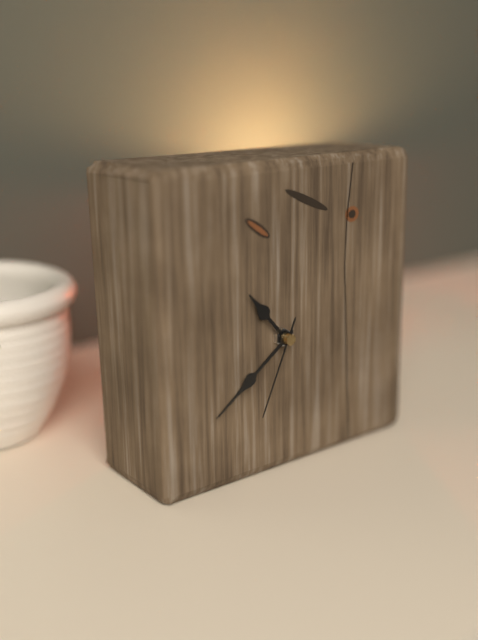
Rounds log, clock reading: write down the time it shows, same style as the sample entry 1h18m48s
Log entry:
10h39m34s
